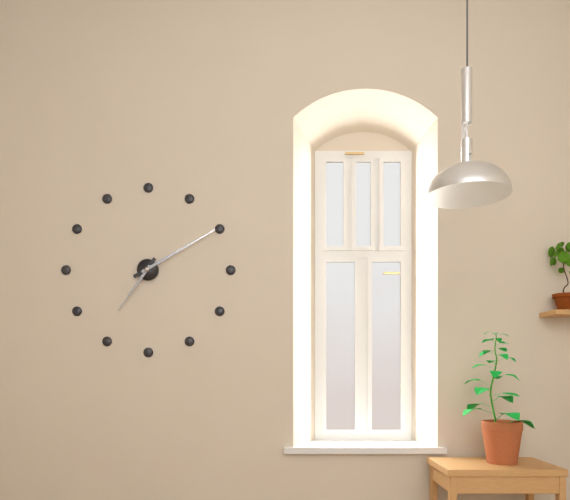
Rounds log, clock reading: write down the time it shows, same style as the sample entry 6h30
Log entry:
7h10
